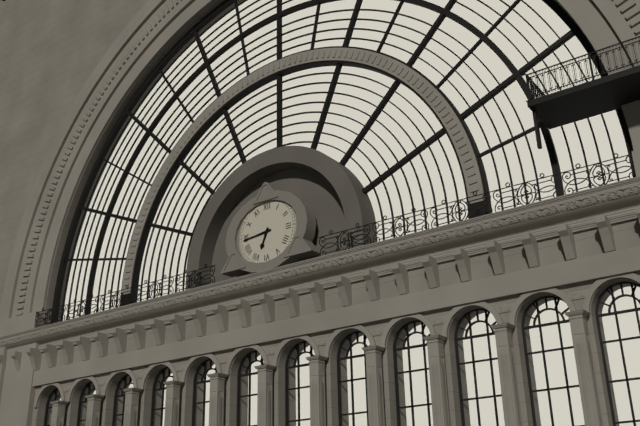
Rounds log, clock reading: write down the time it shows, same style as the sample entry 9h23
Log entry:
6h44
